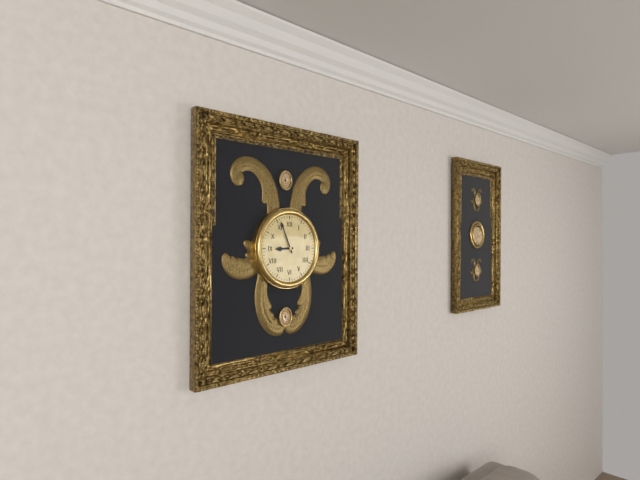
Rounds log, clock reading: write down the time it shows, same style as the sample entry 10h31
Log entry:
8h56
